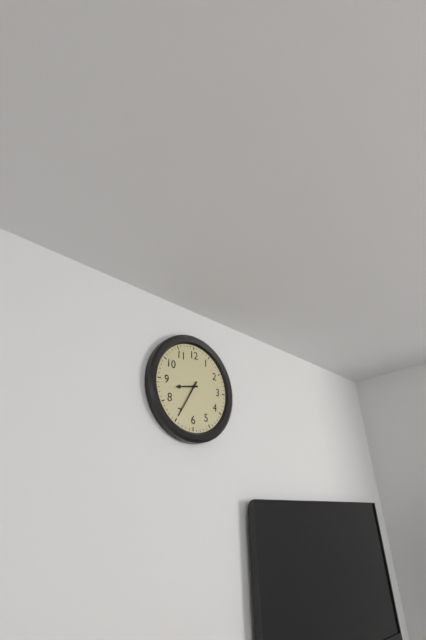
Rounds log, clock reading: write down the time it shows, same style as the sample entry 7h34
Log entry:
8h35
